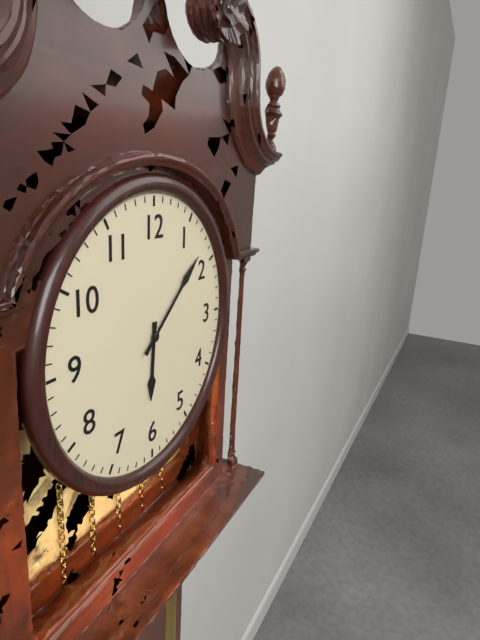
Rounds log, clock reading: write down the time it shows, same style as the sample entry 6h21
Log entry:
6h08
